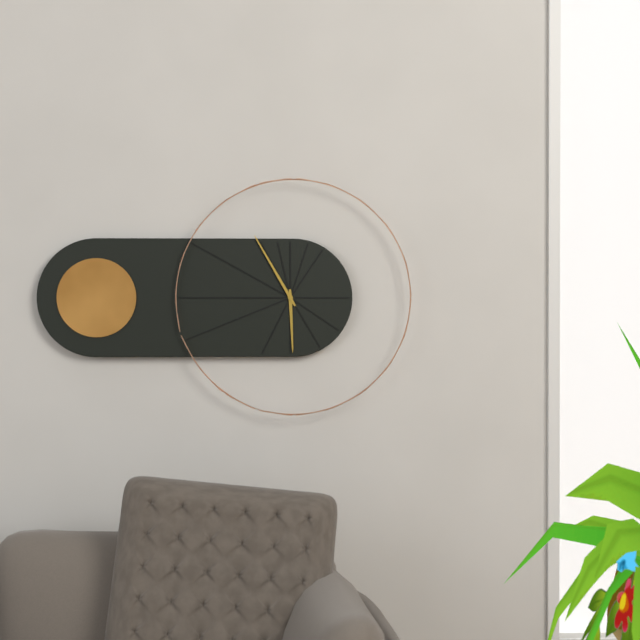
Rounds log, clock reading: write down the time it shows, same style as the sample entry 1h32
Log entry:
5h55
